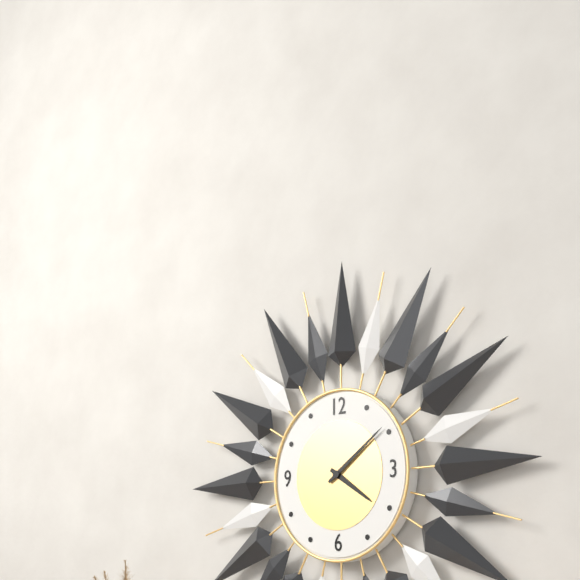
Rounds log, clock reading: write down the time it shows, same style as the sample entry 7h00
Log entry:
4h09
